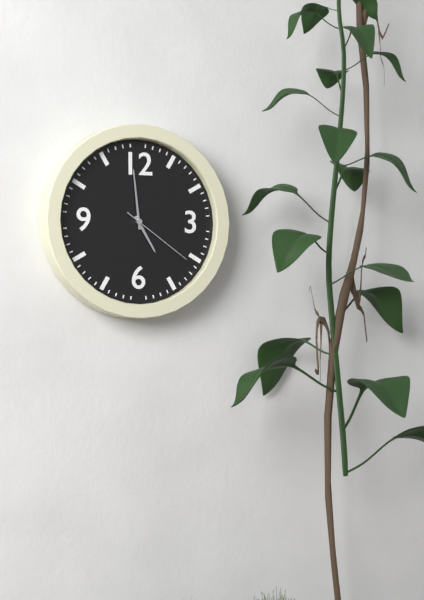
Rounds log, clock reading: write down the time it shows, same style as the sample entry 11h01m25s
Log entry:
4h59m21s
